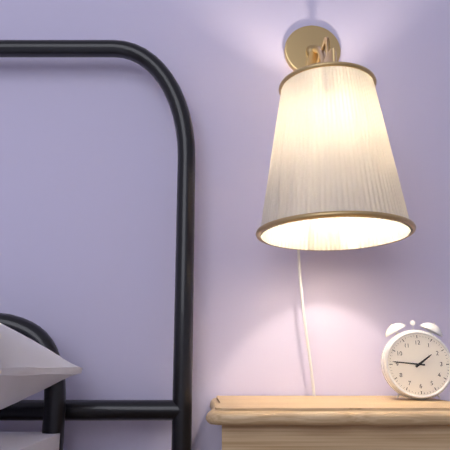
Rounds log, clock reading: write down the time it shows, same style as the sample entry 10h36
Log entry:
1h46
